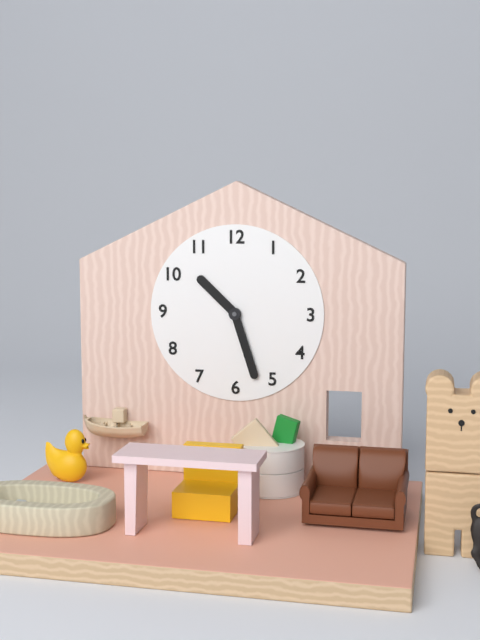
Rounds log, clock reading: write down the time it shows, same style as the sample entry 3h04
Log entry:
10h27
